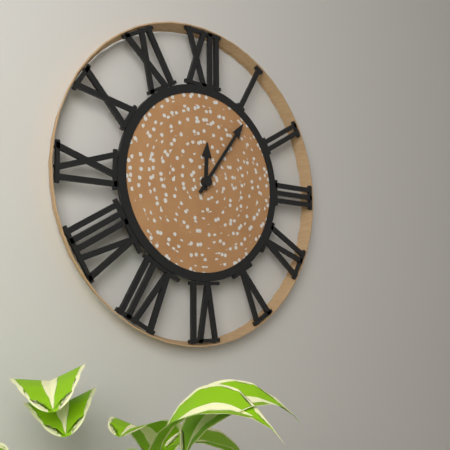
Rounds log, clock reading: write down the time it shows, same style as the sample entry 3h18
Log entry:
12h06
